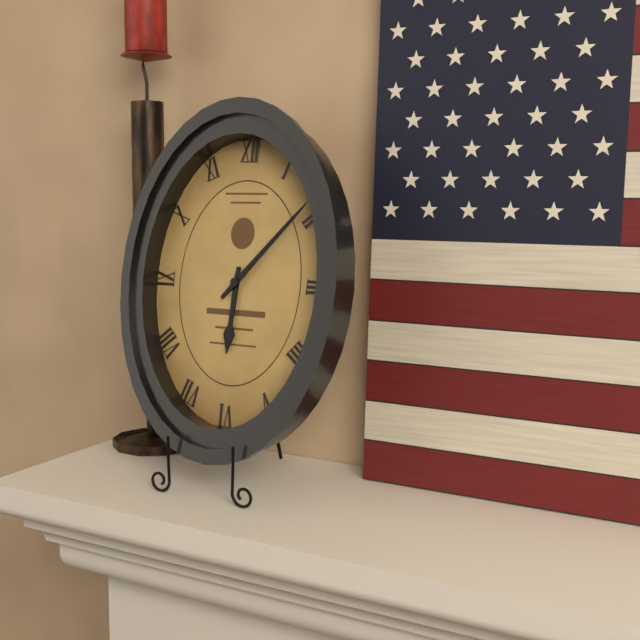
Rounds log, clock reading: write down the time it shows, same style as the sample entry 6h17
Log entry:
6h07
